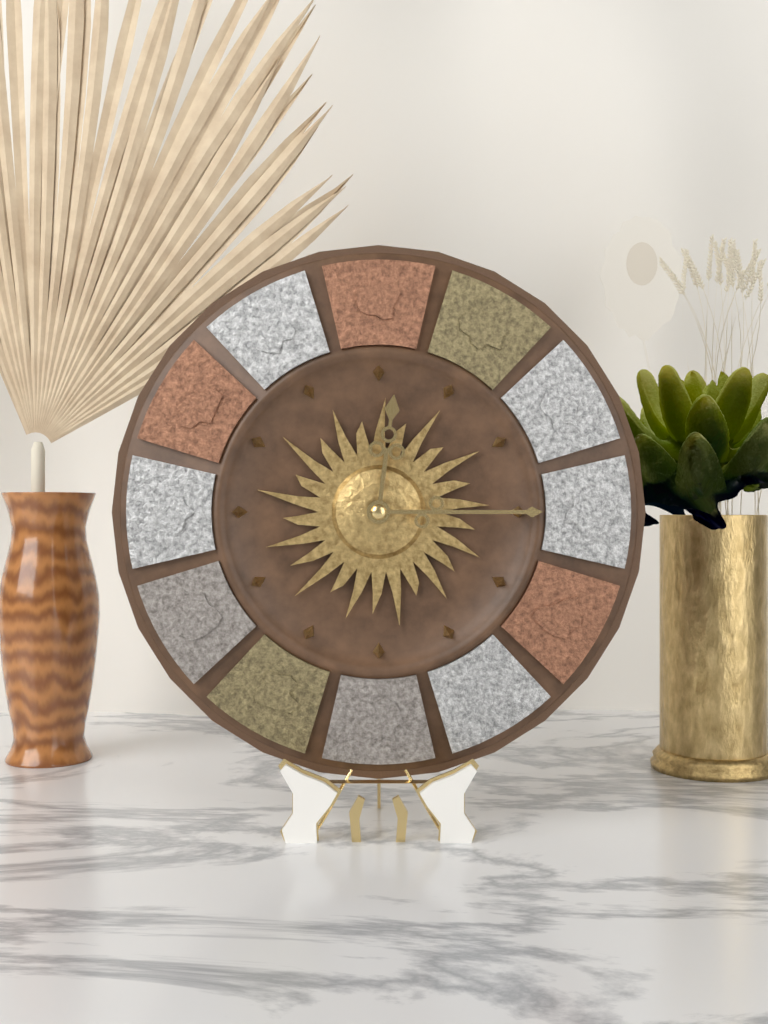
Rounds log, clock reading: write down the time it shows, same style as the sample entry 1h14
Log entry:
12h15
